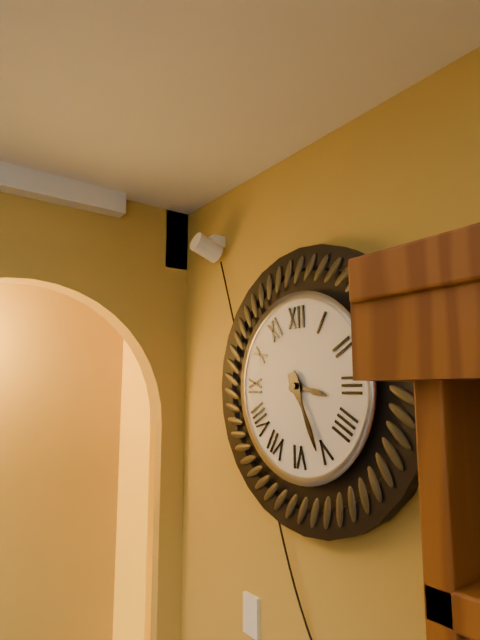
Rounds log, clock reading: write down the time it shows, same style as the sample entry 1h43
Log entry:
3h26
